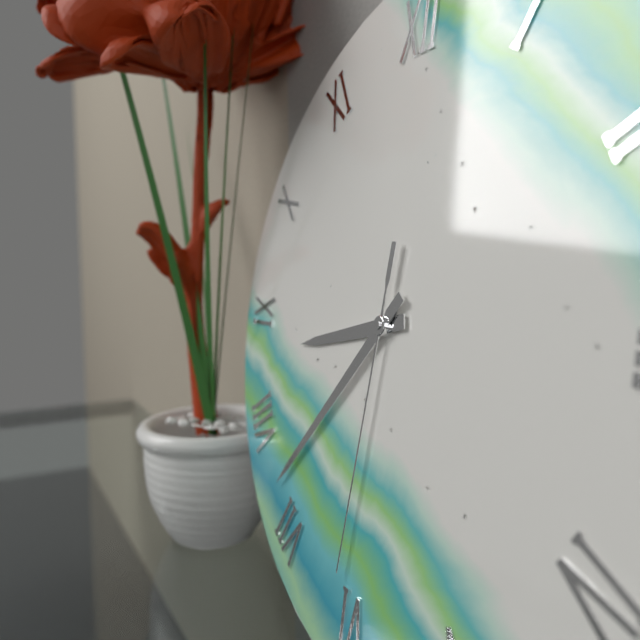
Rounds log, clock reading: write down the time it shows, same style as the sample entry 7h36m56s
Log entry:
8h37m31s
